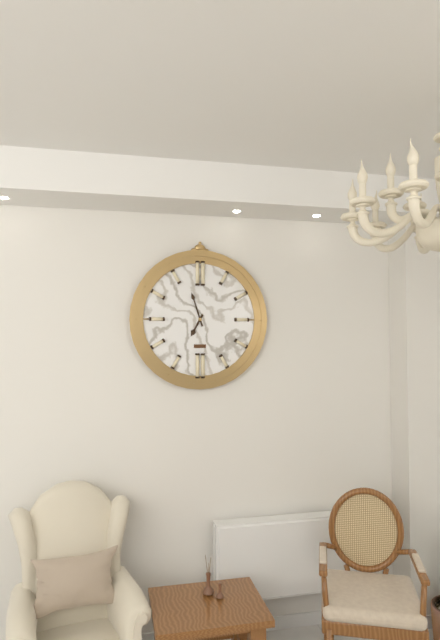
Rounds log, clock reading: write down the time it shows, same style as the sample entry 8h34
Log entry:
6h57
